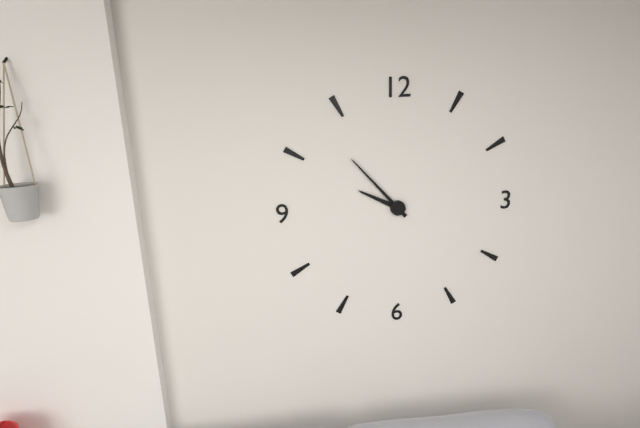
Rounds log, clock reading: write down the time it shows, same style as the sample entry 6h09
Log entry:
9h53
